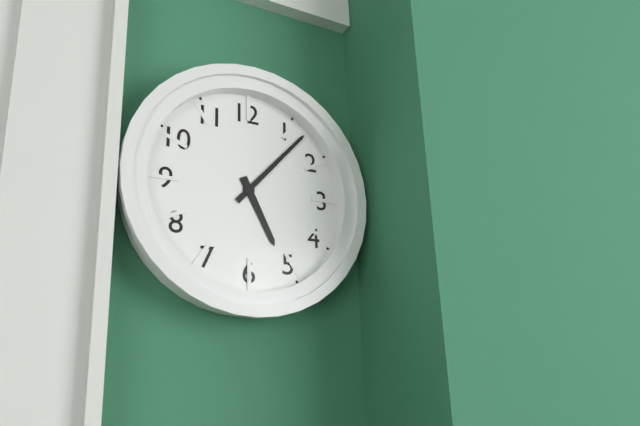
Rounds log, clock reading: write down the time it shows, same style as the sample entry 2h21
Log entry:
5h07
